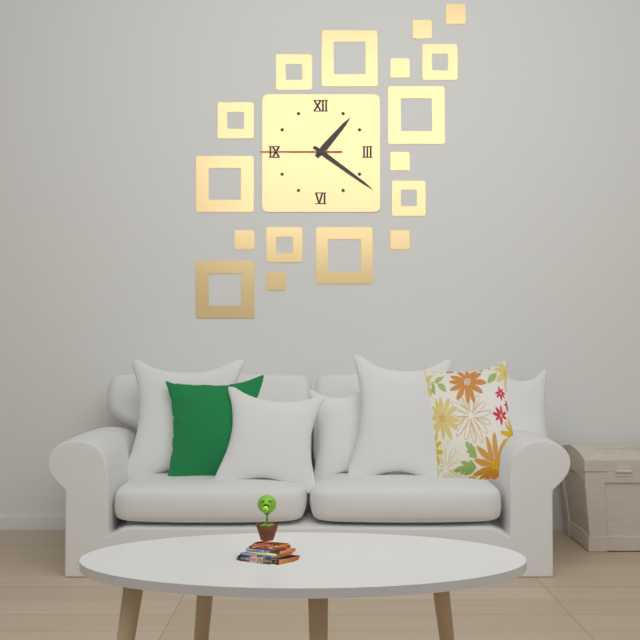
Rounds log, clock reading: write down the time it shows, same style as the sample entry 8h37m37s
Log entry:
1h21m45s
